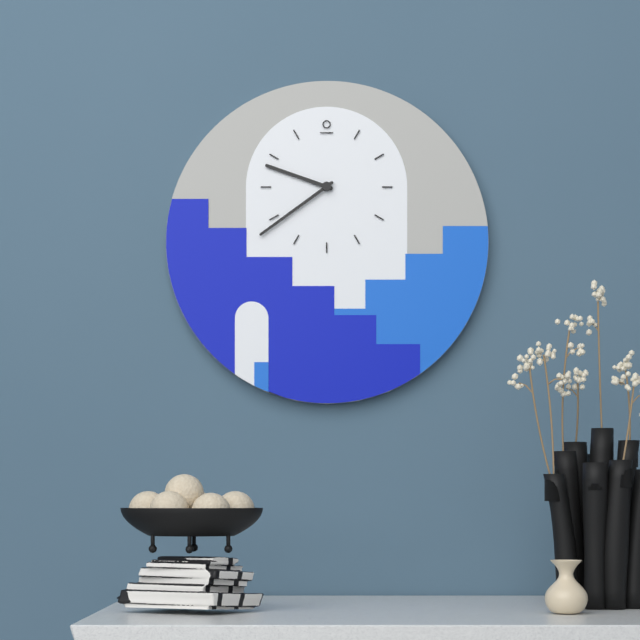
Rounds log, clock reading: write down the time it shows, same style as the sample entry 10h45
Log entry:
9h39
